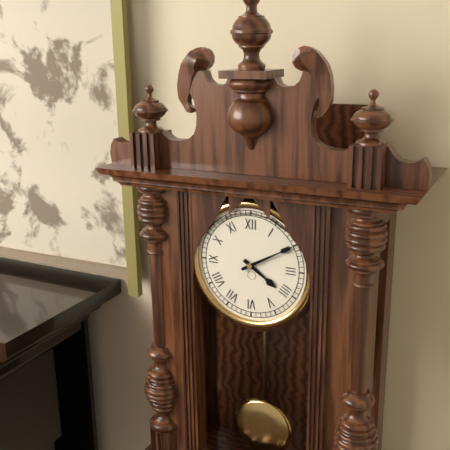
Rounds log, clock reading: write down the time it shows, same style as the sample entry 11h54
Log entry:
4h10
